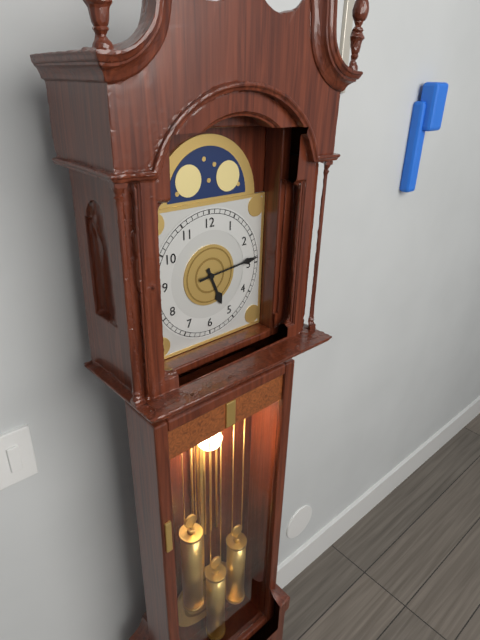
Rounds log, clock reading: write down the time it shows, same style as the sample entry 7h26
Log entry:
5h14
